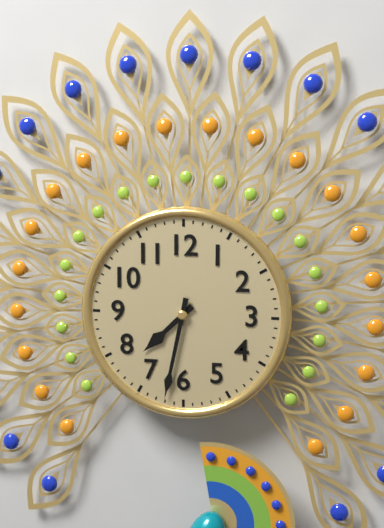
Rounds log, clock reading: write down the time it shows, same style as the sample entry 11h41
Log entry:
7h32
